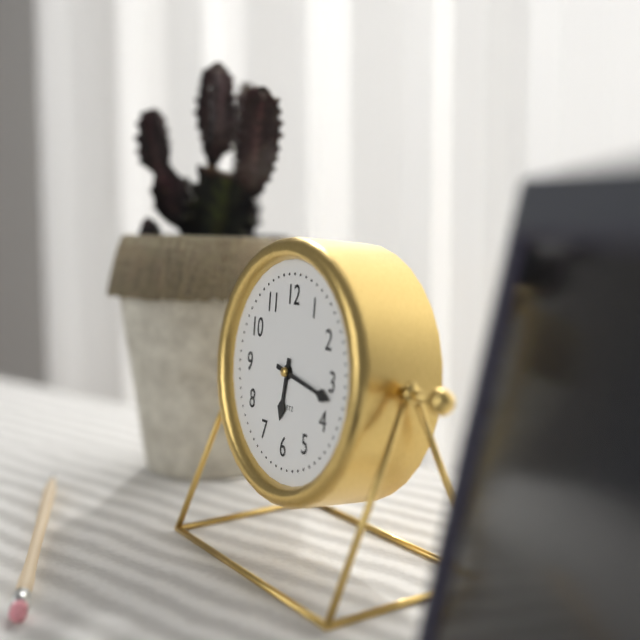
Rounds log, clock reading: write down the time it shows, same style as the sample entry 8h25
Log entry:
6h17
